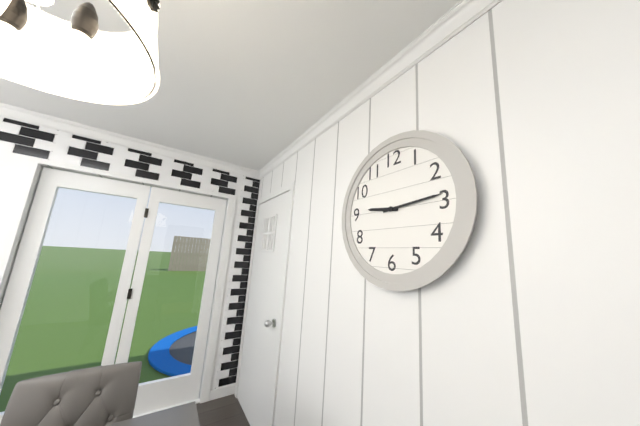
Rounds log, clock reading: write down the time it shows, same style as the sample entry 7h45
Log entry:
9h14
